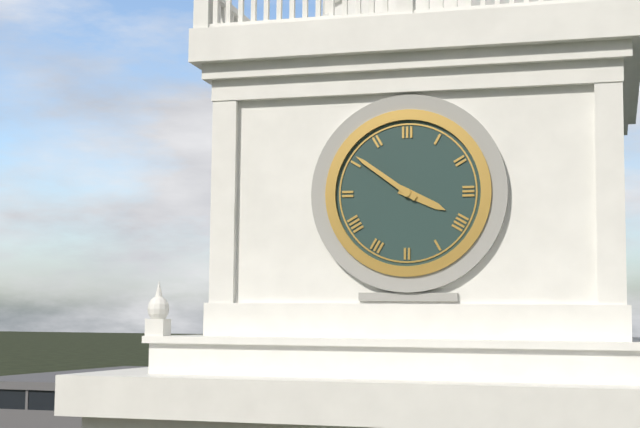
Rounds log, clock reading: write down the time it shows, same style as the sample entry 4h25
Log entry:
3h51
